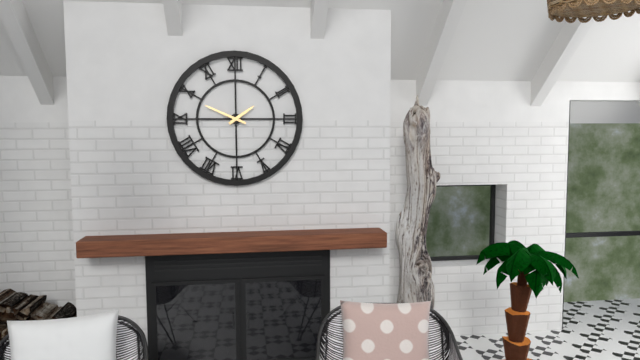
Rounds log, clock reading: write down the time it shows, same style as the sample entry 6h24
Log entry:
1h49
